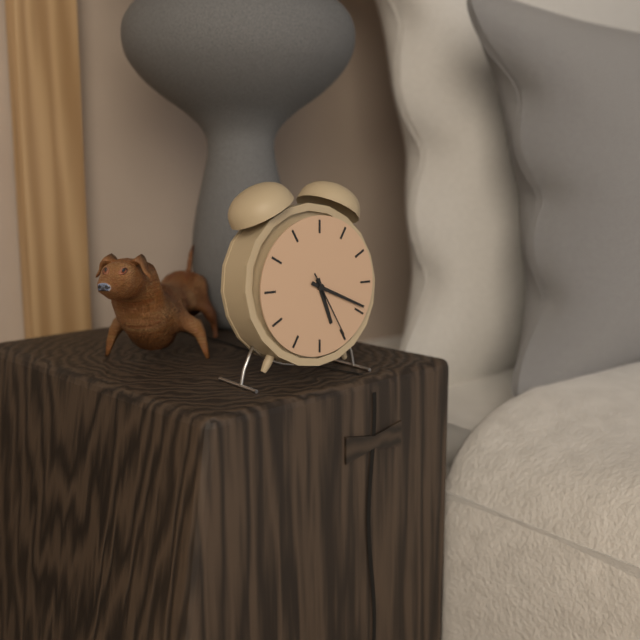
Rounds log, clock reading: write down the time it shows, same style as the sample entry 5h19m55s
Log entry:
5h19m25s
